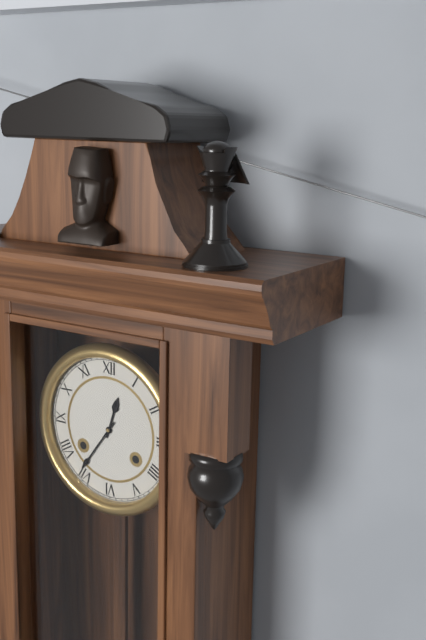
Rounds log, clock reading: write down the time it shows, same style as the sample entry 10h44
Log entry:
12h36
